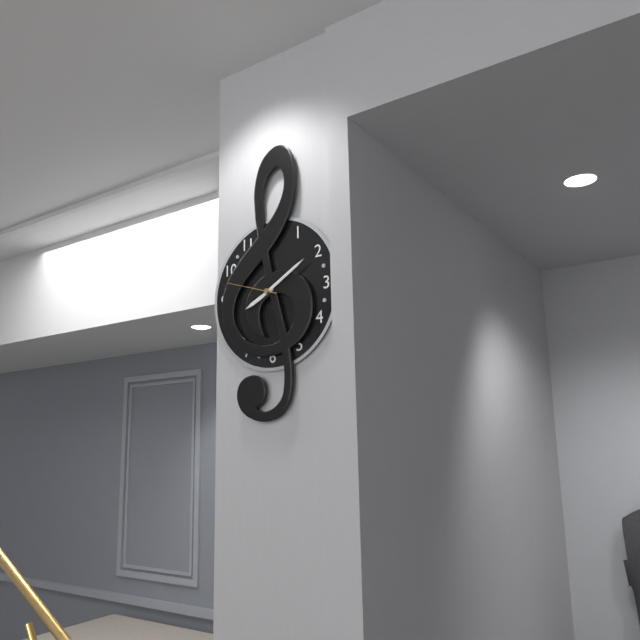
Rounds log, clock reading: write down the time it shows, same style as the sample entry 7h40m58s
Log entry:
8h10m48s
